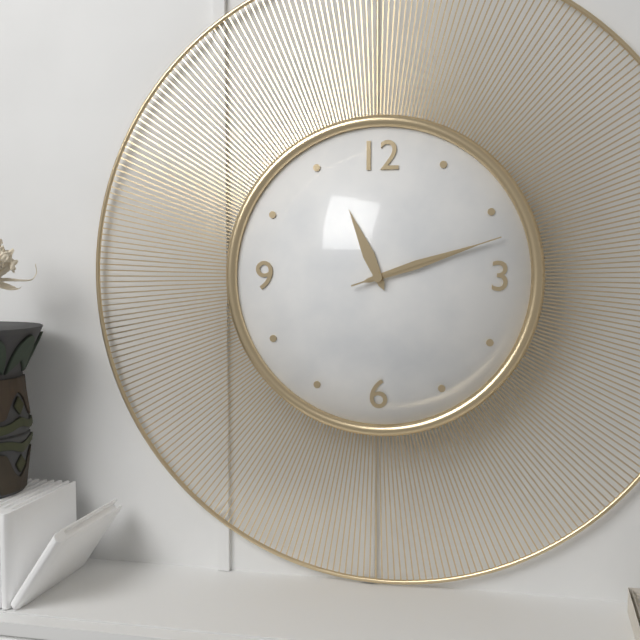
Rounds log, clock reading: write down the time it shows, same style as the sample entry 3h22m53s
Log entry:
11h12m12s
